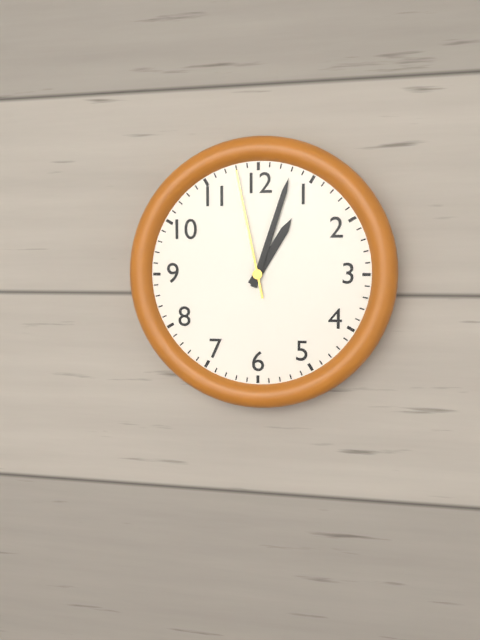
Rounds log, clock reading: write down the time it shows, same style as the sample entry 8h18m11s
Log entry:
1h03m58s
